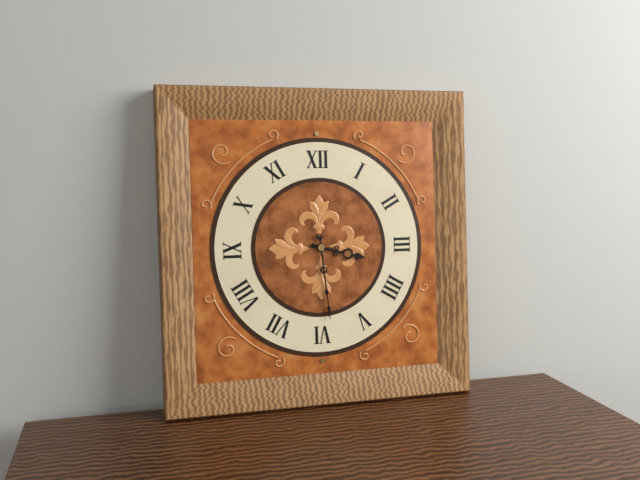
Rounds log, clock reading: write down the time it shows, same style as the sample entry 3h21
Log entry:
3h29
